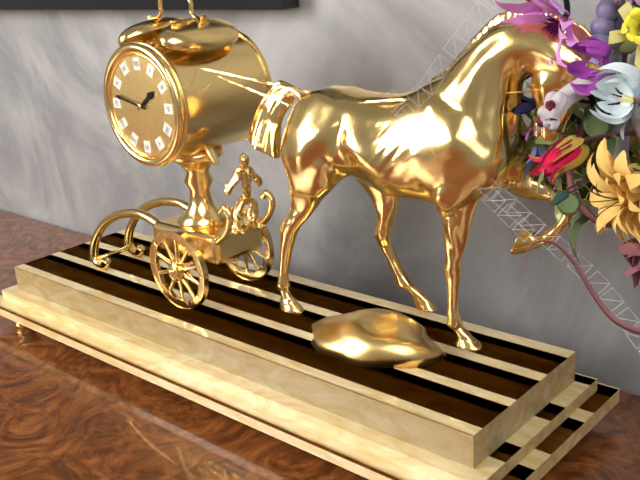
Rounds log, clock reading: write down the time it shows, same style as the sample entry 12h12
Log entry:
1h47
